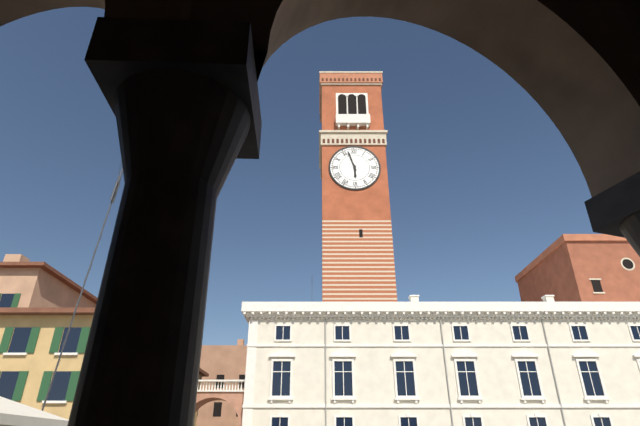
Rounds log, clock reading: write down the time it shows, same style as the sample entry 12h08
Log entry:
5h57
